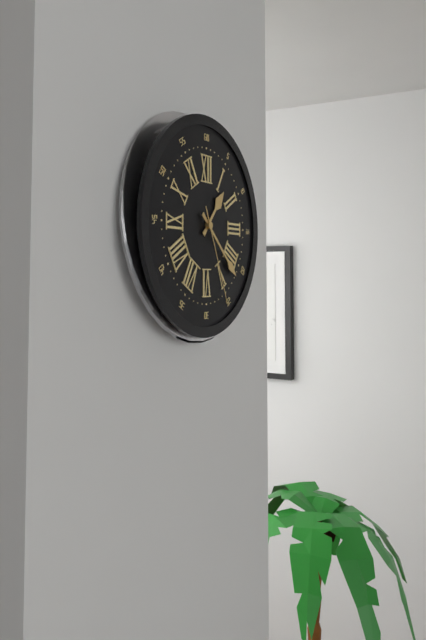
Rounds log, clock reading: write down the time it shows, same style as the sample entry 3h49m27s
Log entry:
1h22m26s
